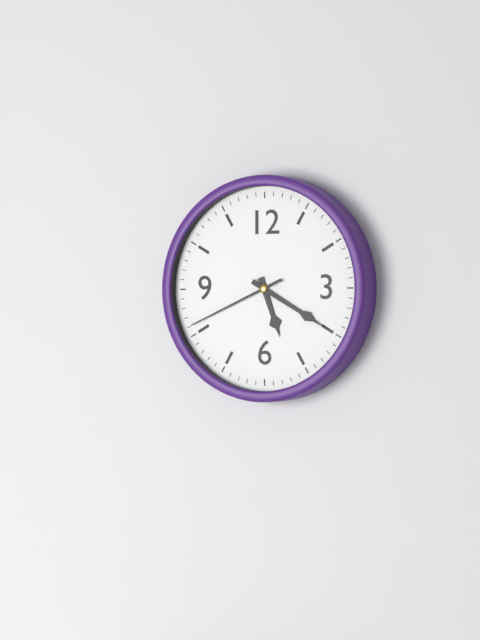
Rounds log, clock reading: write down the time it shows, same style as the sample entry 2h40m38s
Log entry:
5h20m41s
